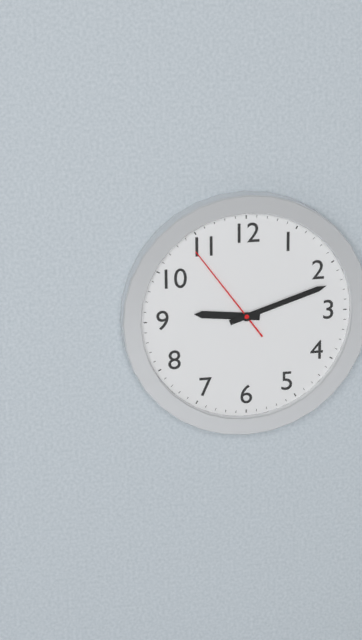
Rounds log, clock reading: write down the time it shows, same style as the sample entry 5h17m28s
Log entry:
9h12m54s
